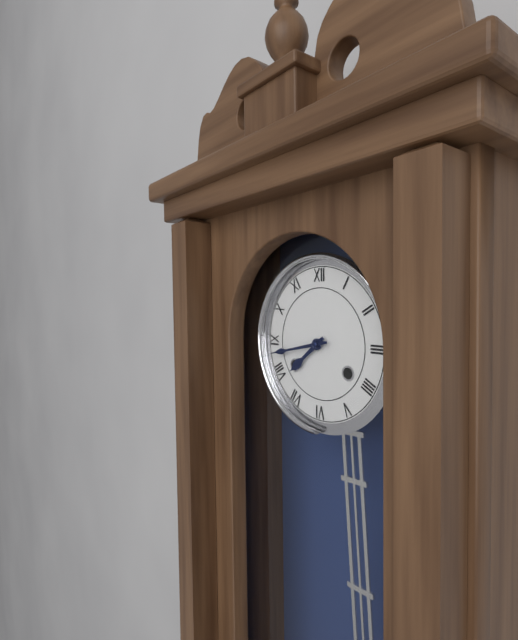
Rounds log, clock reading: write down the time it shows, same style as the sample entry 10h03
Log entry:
7h43
